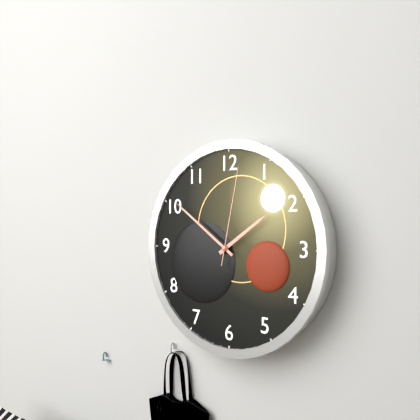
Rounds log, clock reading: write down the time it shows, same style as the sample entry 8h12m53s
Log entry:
1h51m02s
